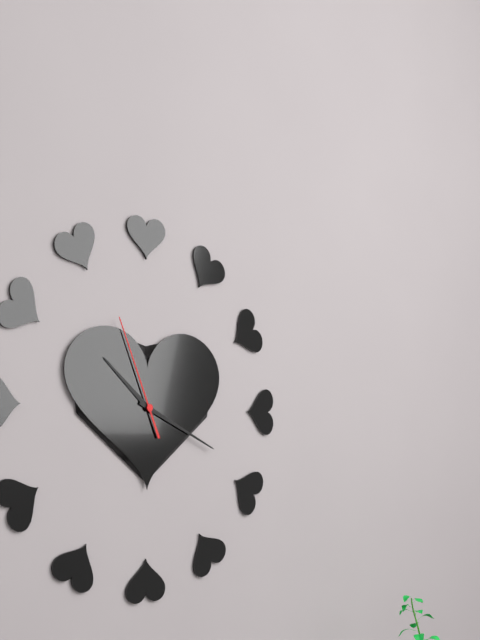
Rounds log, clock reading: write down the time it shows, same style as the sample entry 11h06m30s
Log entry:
10h19m56s
